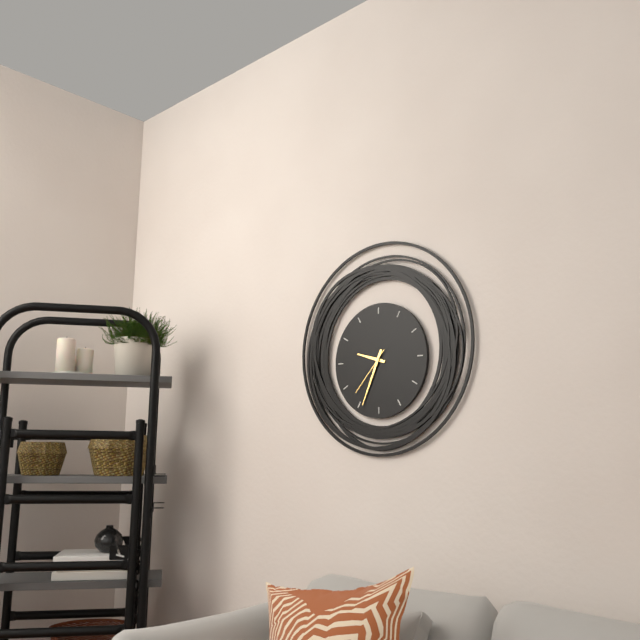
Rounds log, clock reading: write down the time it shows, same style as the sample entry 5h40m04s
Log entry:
9h34m37s
